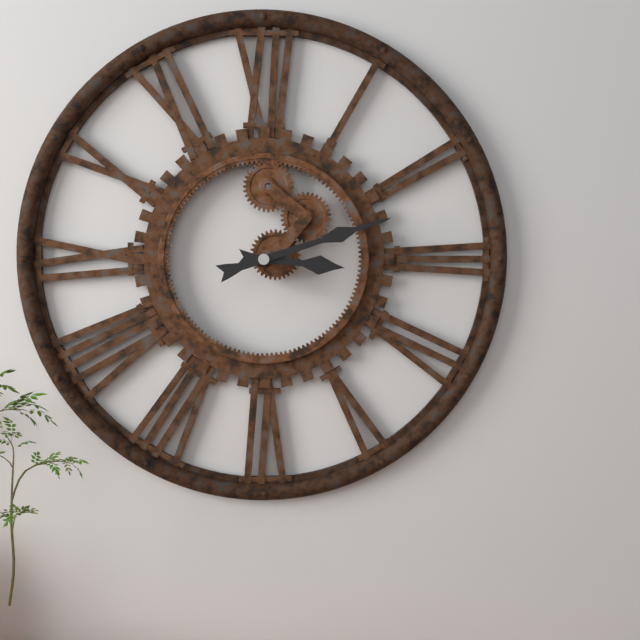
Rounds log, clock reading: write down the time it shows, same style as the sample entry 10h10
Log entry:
3h12
